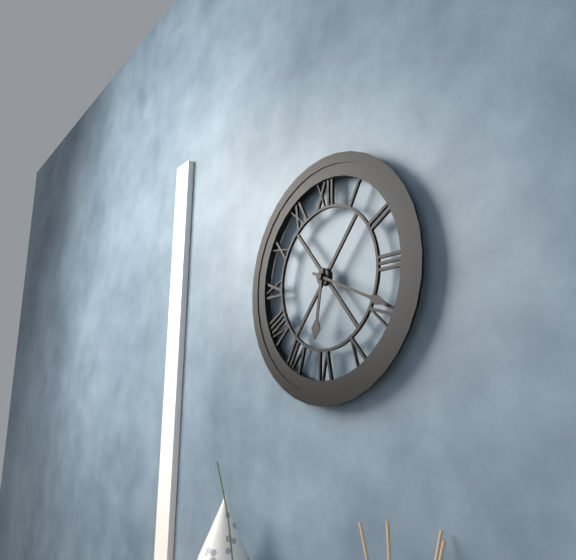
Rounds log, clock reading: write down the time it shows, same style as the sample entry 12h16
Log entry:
6h19
